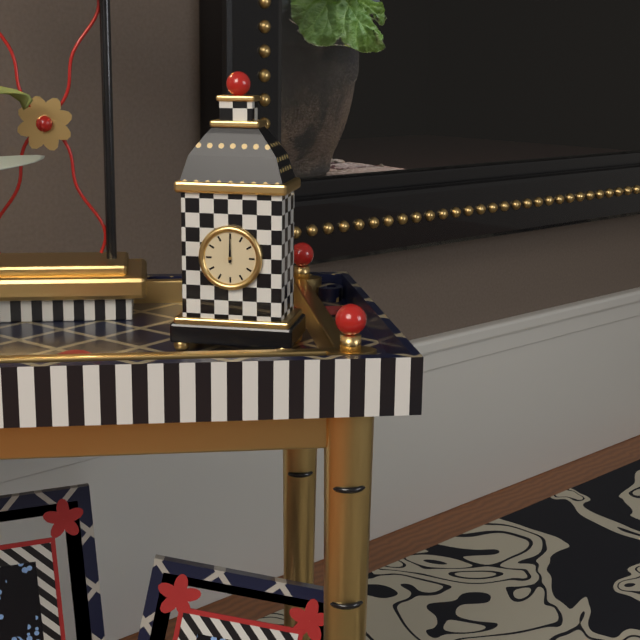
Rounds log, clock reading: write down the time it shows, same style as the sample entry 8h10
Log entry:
12h00
